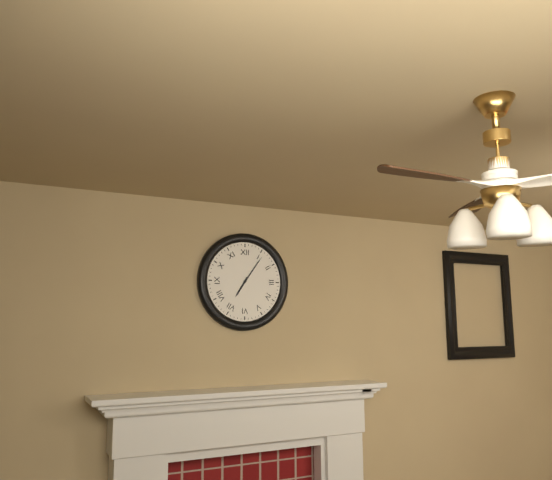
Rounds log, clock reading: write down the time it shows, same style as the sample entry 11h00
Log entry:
7h06
